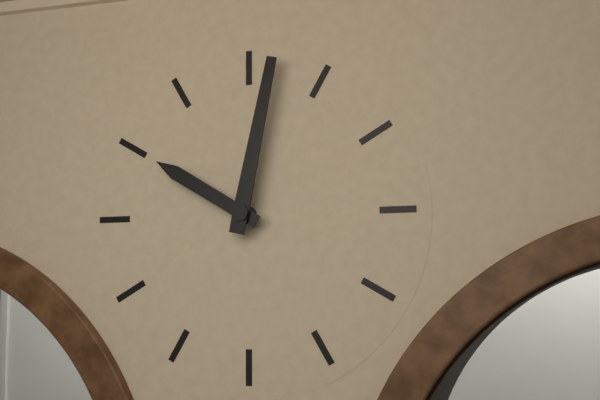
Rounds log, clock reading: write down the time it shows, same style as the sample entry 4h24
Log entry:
10h02
